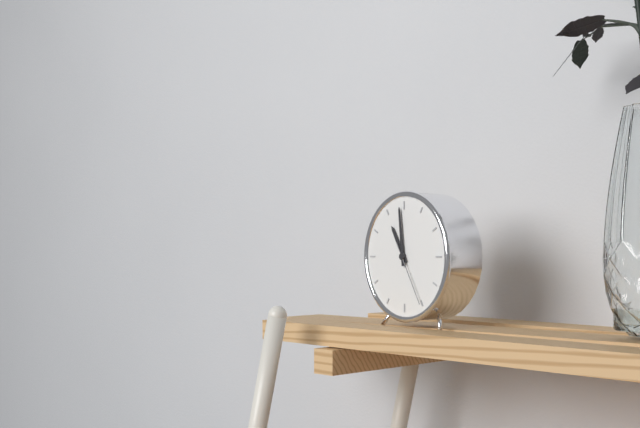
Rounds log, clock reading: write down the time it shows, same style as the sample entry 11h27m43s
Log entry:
10h59m25s
